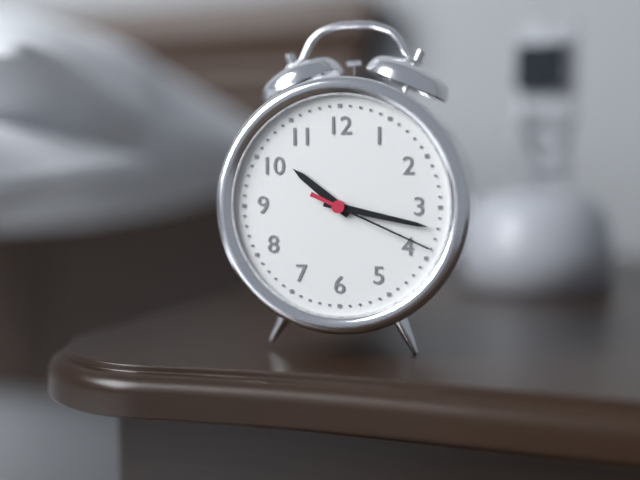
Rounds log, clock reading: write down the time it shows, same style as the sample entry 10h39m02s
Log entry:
10h17m19s
